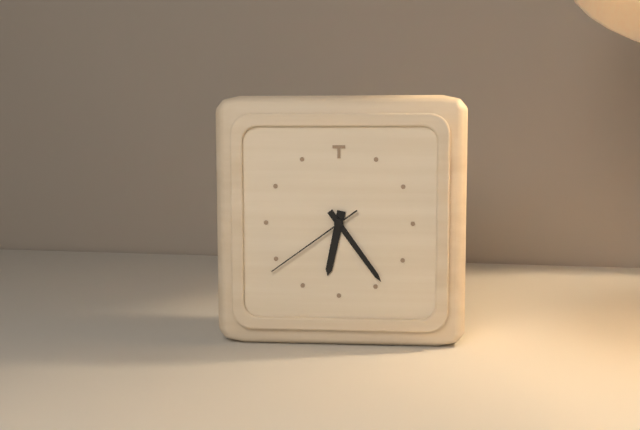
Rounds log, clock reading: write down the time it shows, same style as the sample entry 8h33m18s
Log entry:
6h24m39s
